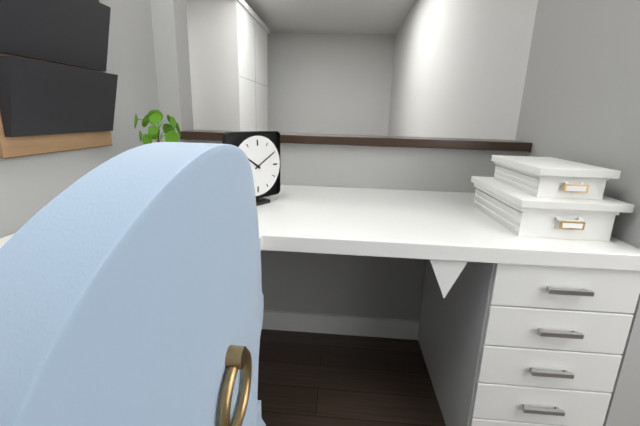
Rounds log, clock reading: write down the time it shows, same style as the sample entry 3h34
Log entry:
10h10
